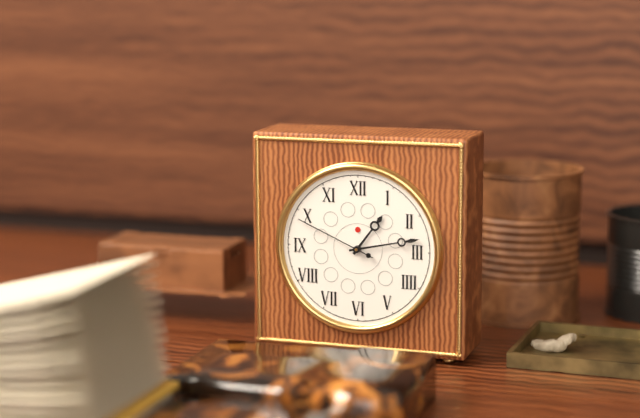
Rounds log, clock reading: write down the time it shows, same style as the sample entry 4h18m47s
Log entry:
1h13m49s
